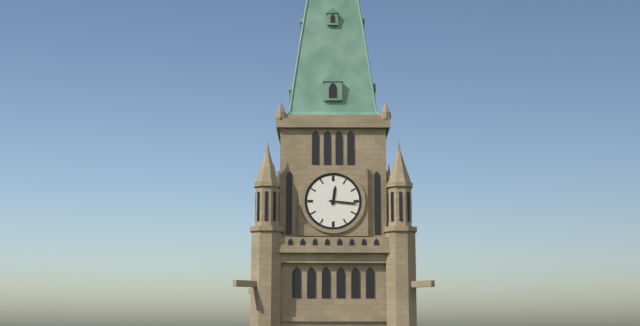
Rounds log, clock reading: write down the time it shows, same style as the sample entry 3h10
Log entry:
12h16
